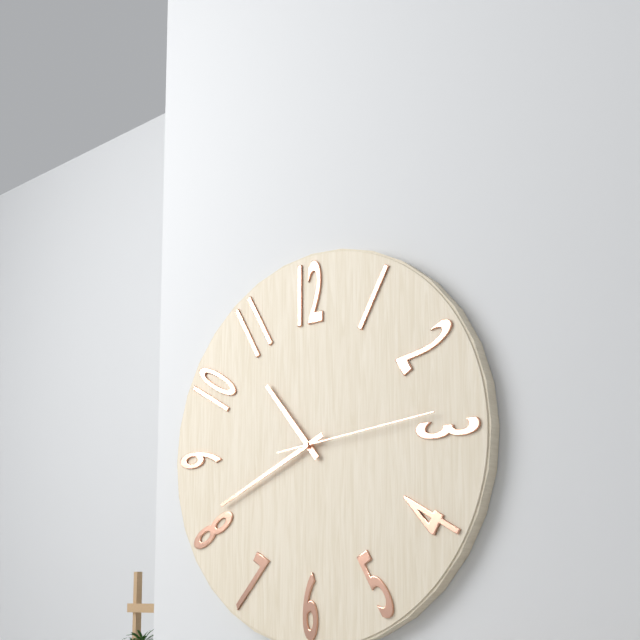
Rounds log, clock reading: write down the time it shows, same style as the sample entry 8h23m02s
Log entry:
10h41m14s
